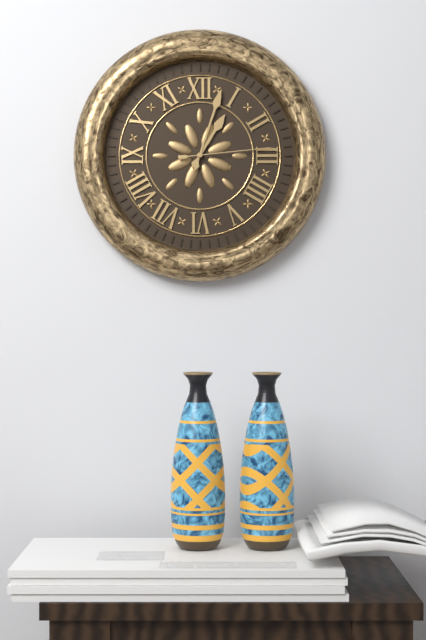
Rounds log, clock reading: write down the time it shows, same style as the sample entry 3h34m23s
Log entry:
1h03m14s
